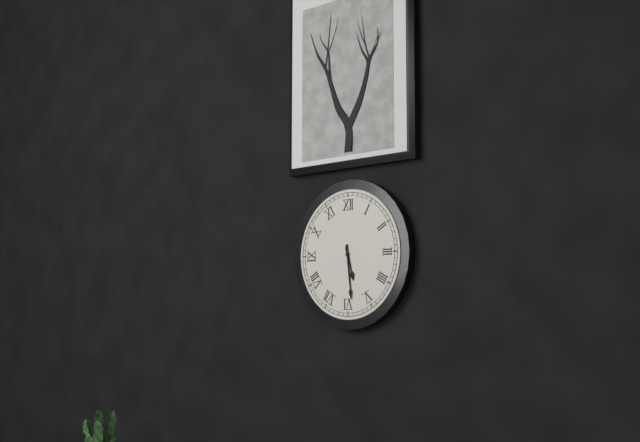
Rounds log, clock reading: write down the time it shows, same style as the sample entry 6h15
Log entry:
5h29
